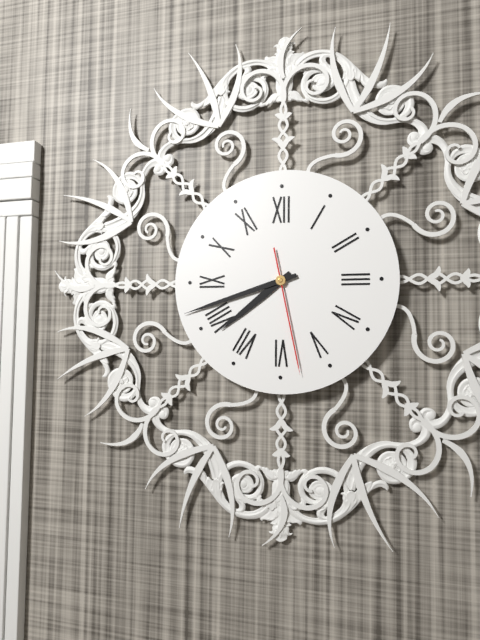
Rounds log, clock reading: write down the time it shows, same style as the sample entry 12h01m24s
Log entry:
7h42m28s
